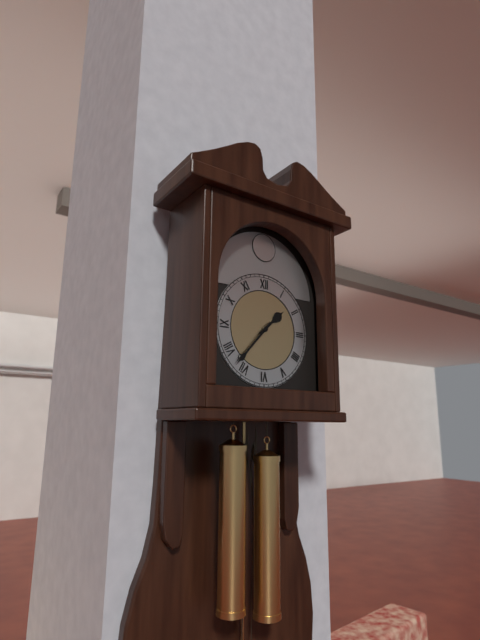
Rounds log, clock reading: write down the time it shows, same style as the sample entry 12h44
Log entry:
1h37
